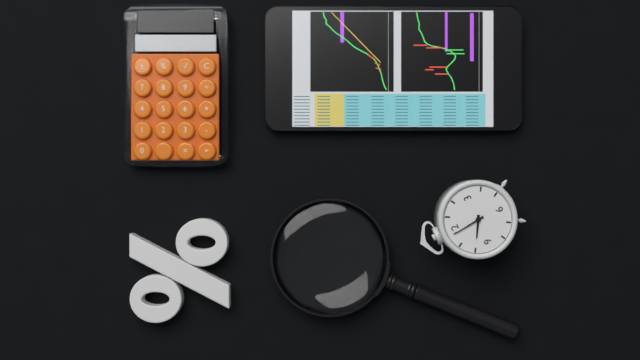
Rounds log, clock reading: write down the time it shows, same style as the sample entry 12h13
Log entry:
9h59
